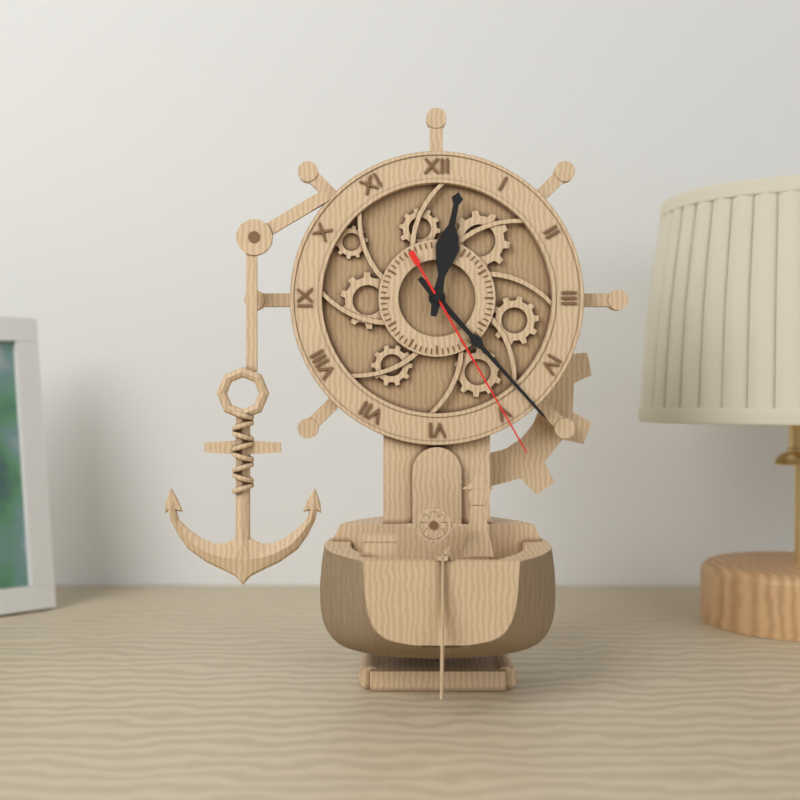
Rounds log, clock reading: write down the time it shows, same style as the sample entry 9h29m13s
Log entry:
12h23m25s
